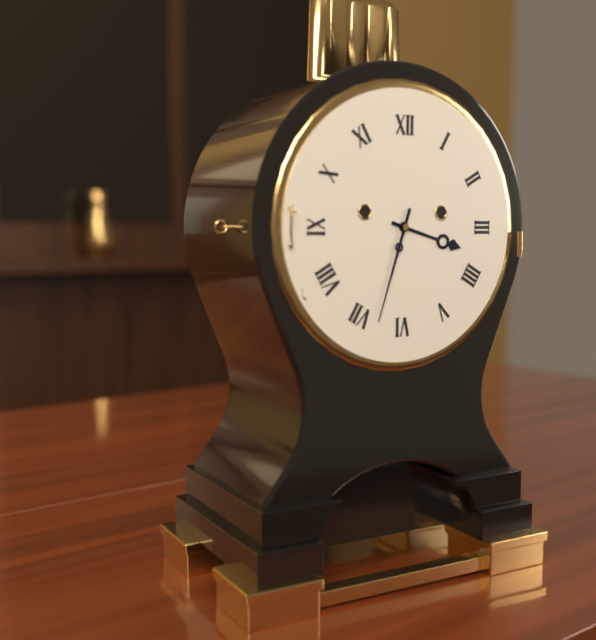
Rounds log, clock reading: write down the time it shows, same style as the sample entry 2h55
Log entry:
3h33
